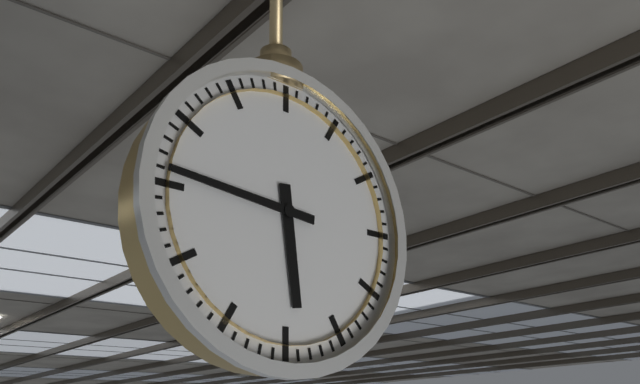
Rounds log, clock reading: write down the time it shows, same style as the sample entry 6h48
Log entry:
5h46
